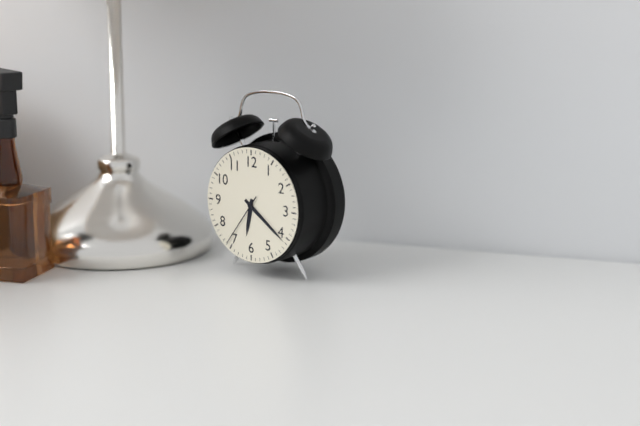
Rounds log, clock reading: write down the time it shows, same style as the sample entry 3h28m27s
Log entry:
6h21m36s
